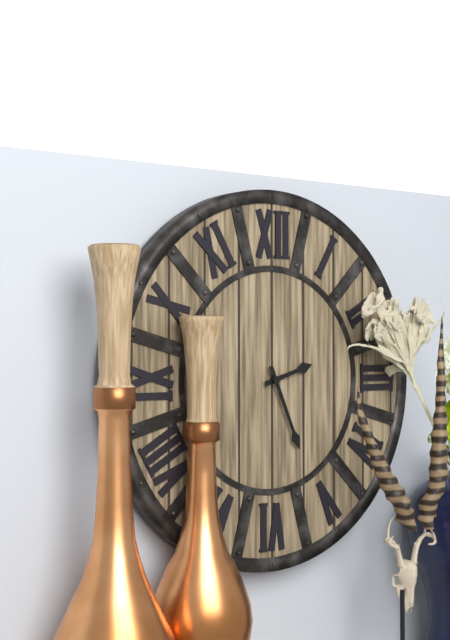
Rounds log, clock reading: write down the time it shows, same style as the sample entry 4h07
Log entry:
2h26
